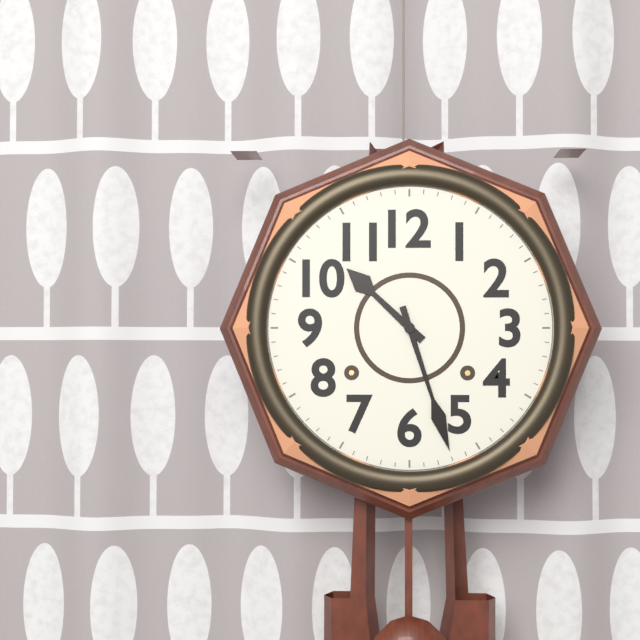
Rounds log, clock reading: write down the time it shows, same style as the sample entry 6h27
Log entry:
10h27
